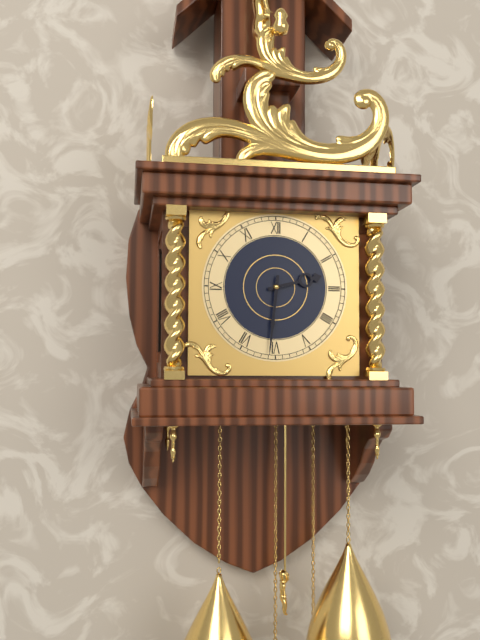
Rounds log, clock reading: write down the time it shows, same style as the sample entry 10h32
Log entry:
2h31
